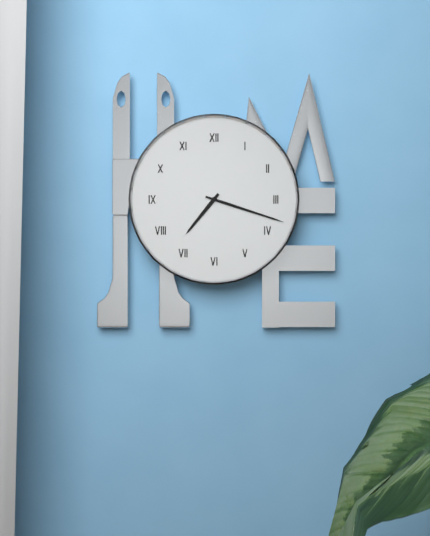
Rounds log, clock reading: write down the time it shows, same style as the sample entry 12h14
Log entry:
7h18
